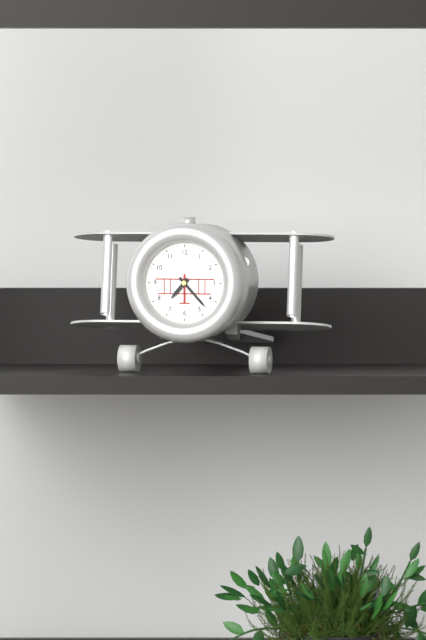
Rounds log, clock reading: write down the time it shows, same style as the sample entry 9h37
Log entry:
7h23
